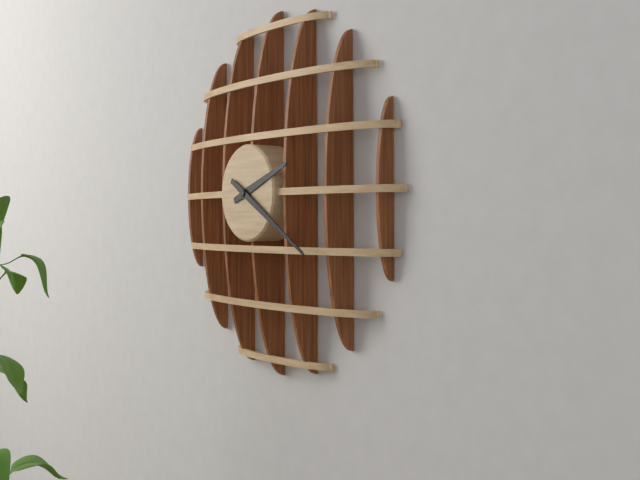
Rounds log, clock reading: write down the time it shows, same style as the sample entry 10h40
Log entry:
2h20
